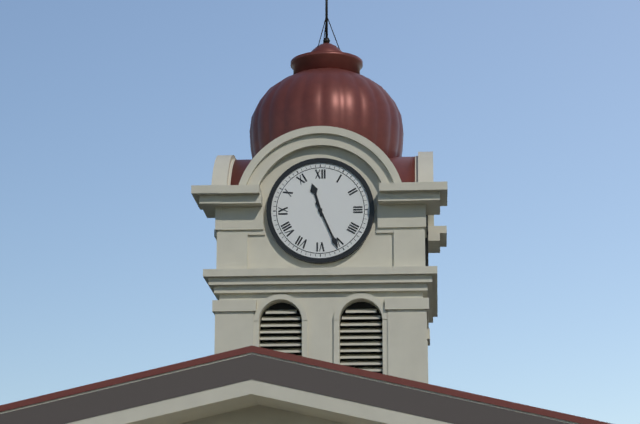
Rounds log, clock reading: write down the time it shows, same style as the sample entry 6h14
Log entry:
11h26
